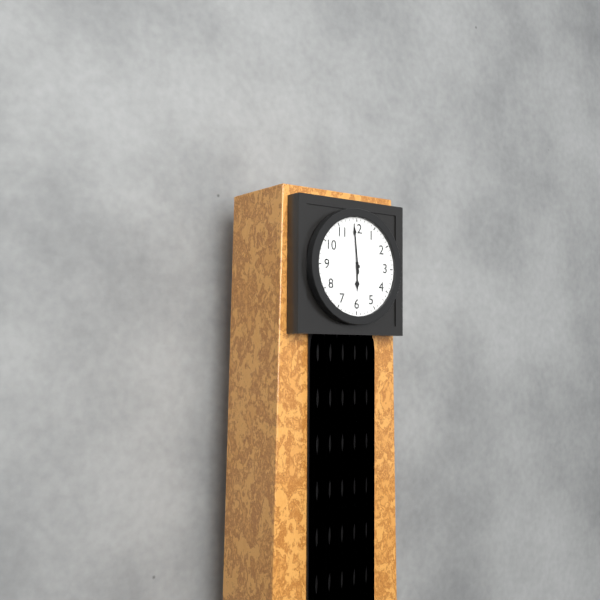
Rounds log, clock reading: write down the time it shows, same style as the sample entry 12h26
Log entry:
5h59
